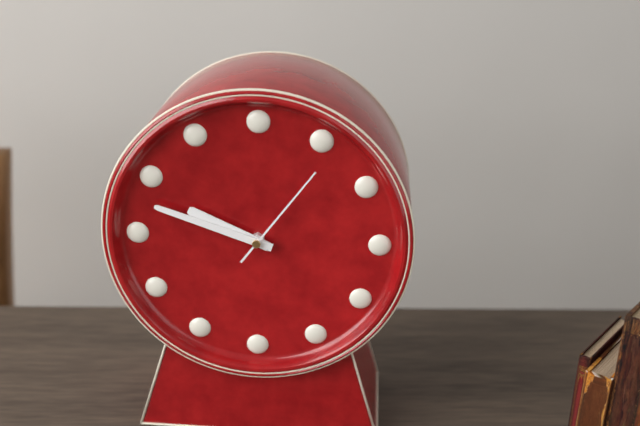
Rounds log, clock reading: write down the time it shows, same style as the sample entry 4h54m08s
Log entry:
9h48m06s
